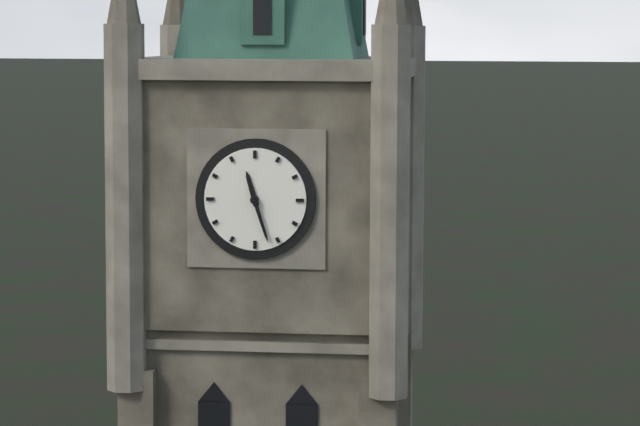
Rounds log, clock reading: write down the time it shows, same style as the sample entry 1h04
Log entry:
11h27
